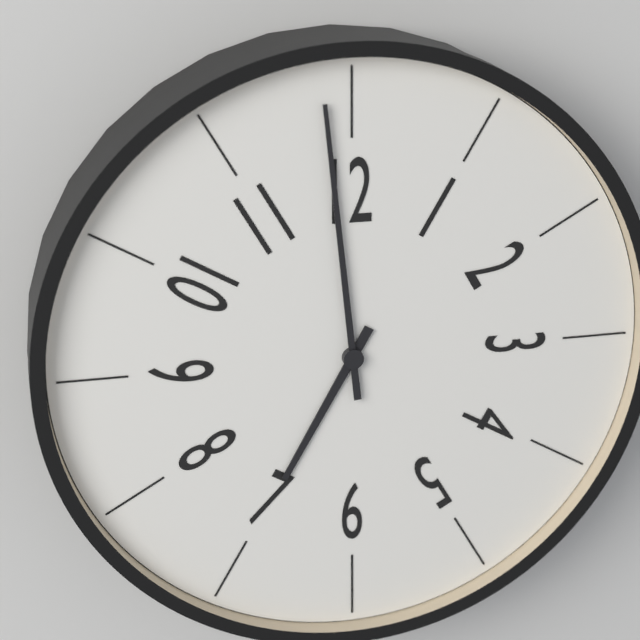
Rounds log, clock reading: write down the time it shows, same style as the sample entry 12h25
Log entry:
6h59
